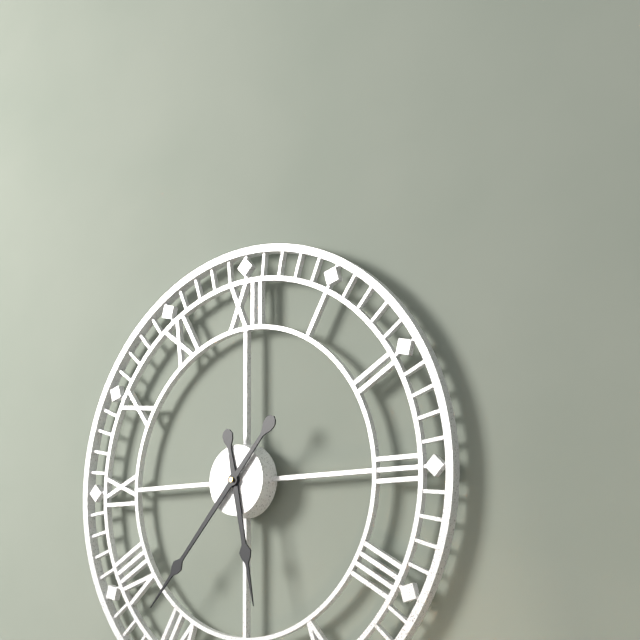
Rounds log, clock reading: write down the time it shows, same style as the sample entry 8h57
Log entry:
5h37
